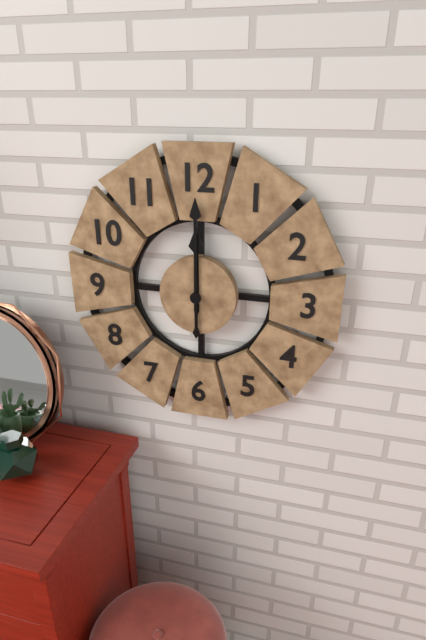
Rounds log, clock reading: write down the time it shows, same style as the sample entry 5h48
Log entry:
12h00
